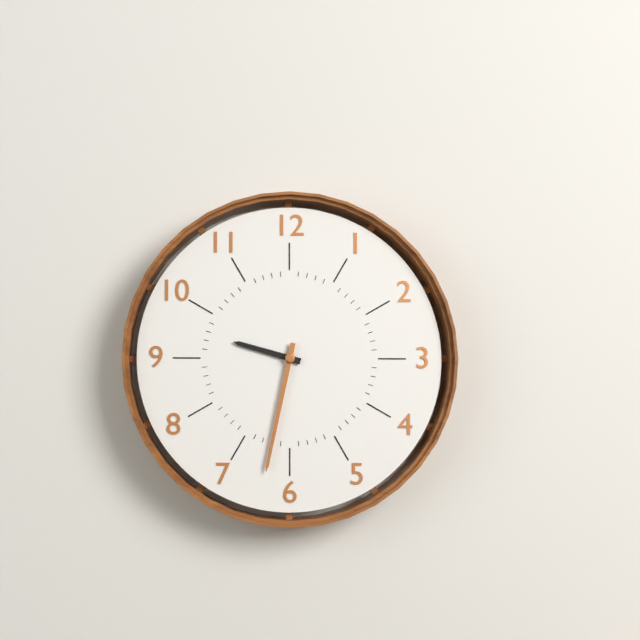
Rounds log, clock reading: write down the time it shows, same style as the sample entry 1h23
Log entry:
9h32
